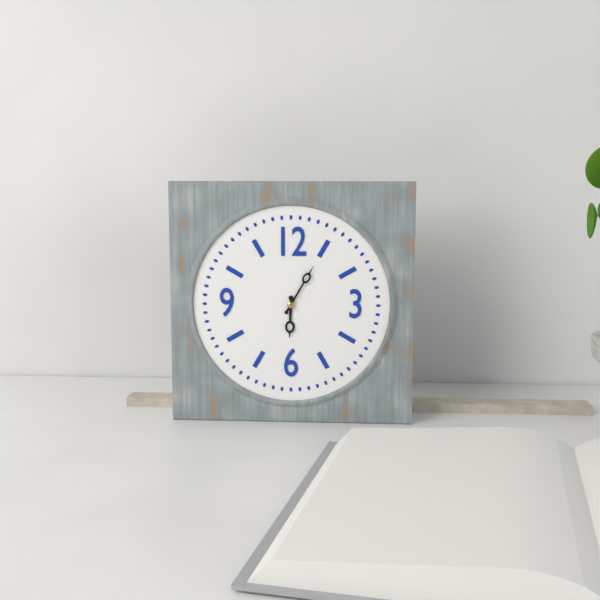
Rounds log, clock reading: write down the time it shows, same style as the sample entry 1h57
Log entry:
6h05
